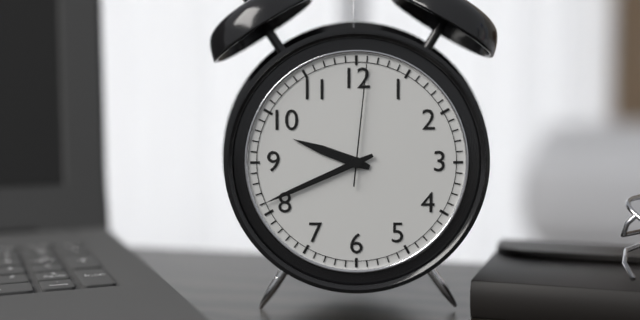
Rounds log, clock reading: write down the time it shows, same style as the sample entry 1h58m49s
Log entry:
9h41m01s
